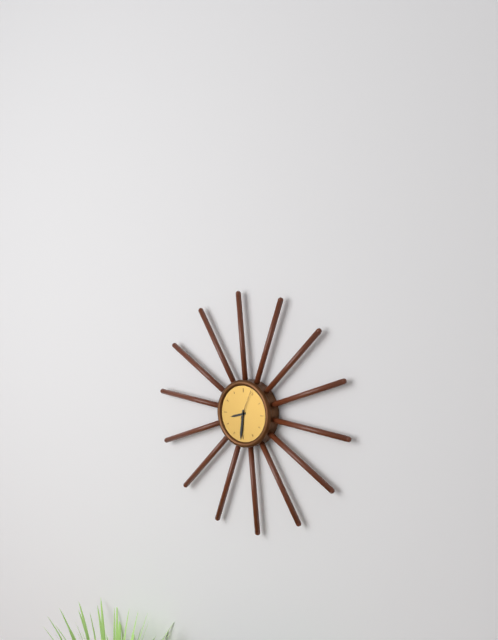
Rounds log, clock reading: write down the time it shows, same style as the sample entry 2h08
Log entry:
8h31
